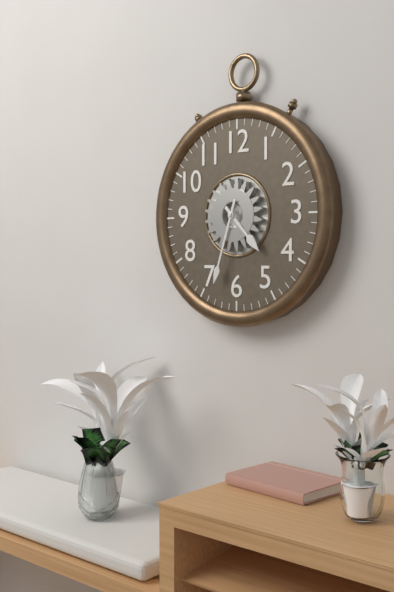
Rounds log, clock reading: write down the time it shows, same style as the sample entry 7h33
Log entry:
4h33
